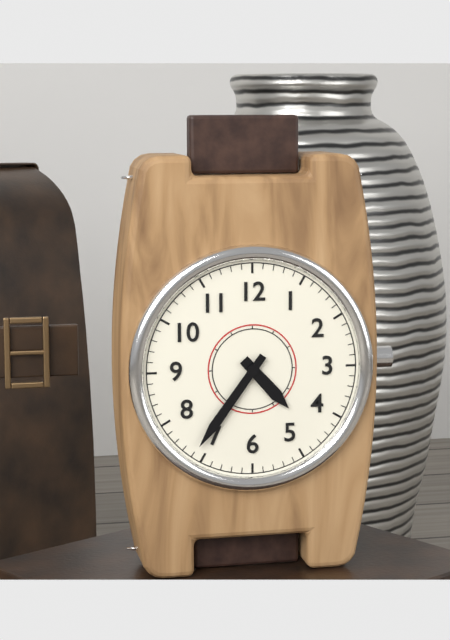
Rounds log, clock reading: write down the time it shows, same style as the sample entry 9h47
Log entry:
4h36
